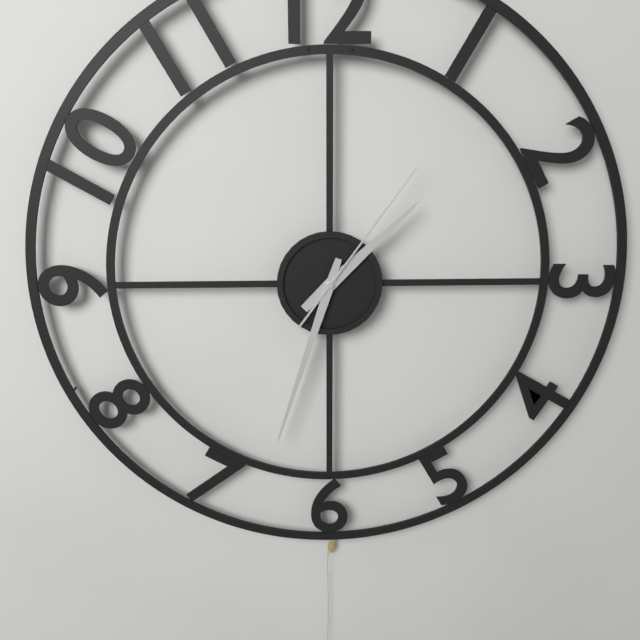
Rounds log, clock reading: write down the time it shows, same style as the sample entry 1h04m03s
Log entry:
1h33m06s
